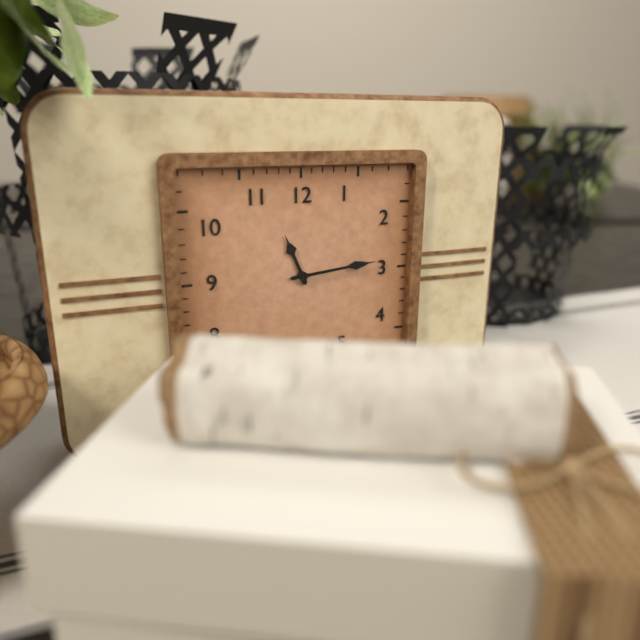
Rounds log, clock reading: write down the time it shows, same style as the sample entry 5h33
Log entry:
11h14
